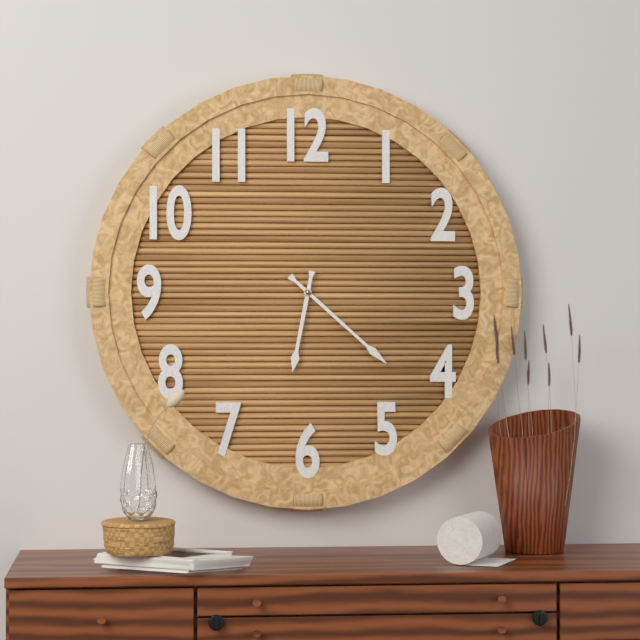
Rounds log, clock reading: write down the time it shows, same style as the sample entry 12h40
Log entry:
6h22
